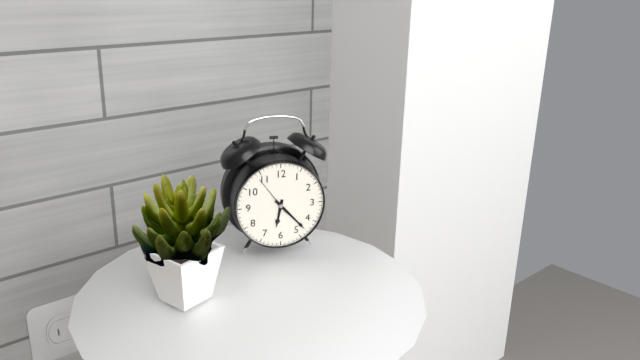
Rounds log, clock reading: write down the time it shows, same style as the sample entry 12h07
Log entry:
6h23
